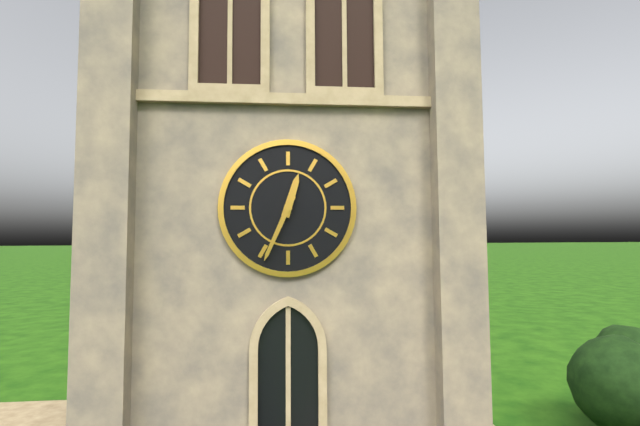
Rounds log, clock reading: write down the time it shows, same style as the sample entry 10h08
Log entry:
12h34
